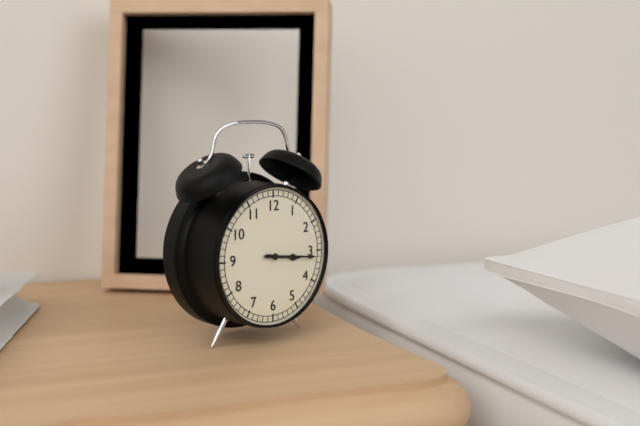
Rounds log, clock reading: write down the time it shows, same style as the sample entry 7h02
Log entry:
3h16
